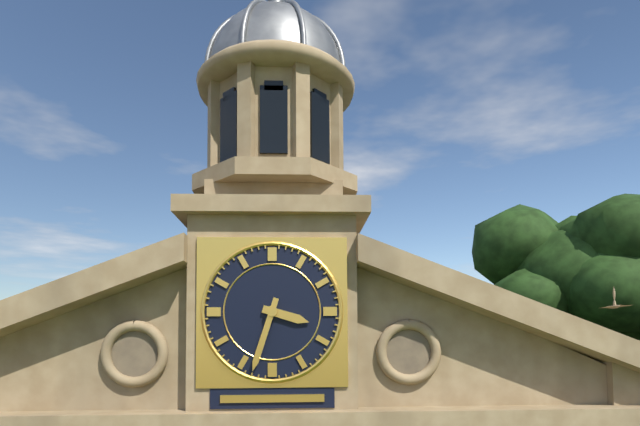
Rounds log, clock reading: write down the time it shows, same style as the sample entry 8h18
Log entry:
3h33
